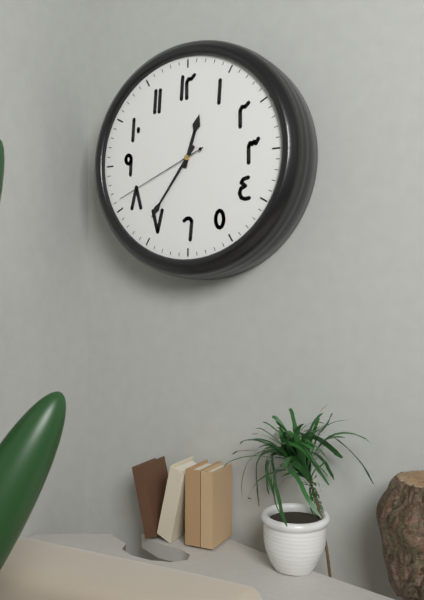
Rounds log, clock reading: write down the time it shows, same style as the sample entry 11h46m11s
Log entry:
12h36m41s
